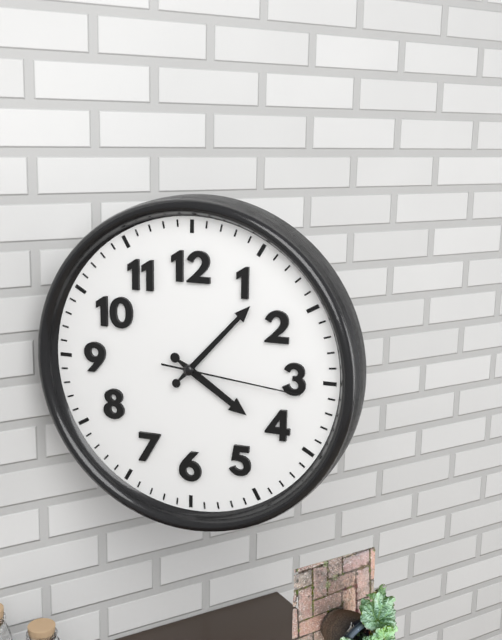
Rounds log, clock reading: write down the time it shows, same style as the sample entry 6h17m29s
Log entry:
4h07m16s
